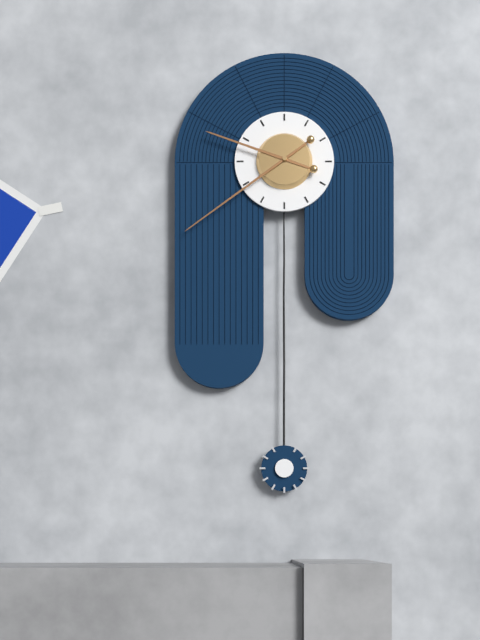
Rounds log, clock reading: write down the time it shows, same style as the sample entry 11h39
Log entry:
9h39
